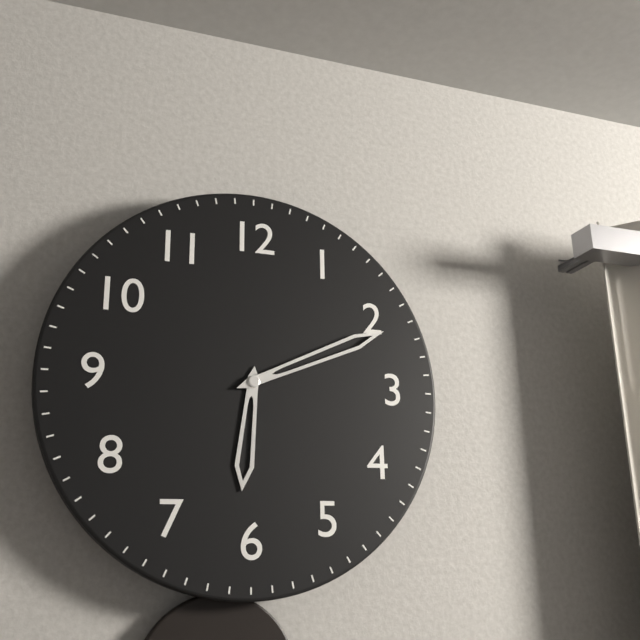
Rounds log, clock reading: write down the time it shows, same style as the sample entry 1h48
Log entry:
6h11
